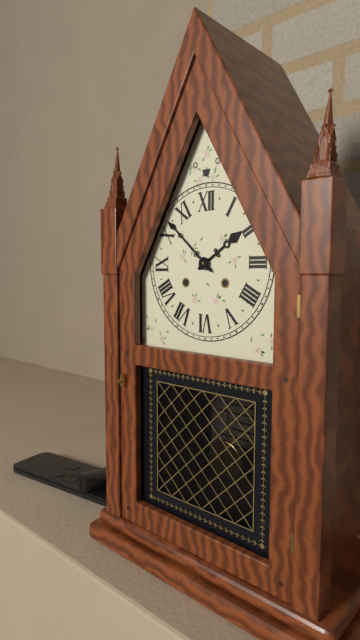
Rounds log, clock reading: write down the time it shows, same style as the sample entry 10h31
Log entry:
1h52
